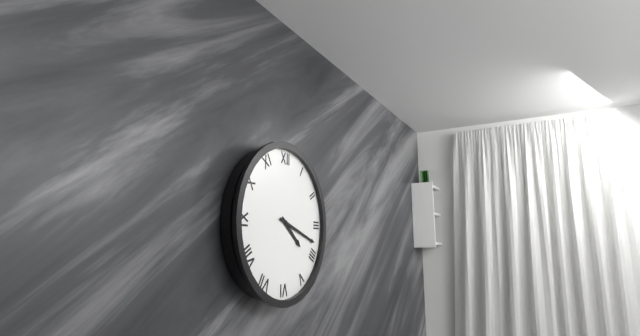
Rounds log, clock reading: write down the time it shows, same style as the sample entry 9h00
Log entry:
4h18
